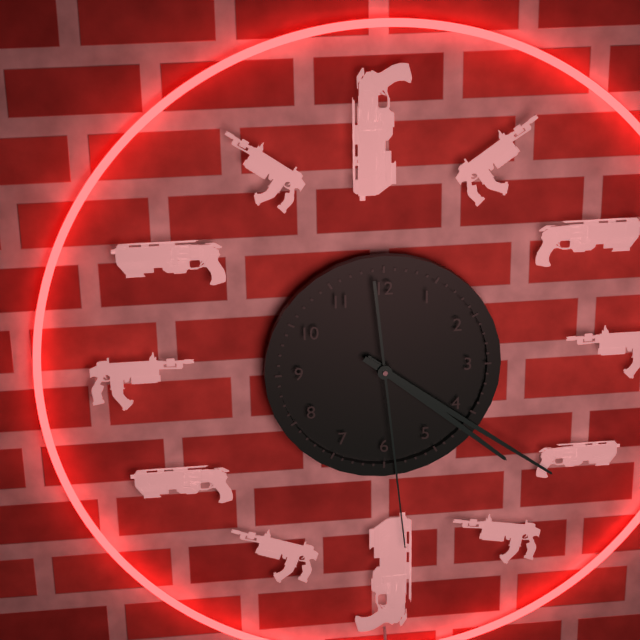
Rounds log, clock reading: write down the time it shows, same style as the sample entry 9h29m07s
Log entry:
4h21m29s
